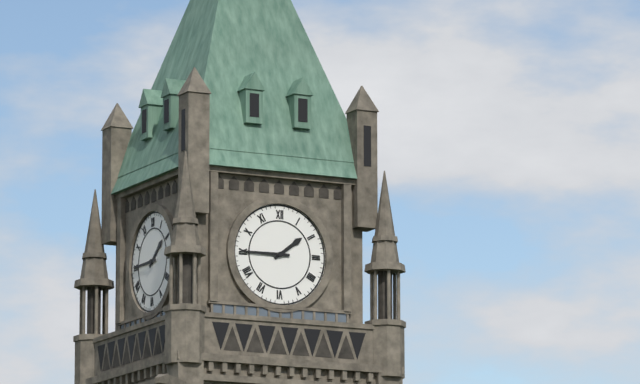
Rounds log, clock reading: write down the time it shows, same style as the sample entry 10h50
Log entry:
1h45
